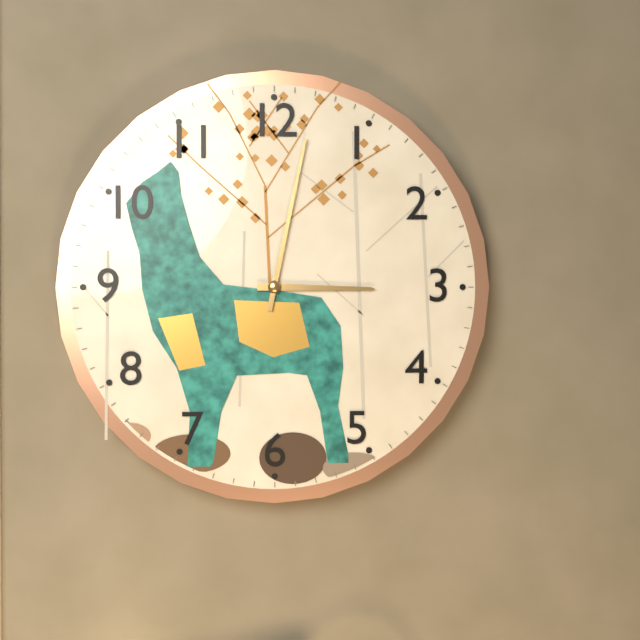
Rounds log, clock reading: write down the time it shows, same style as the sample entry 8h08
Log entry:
3h02
